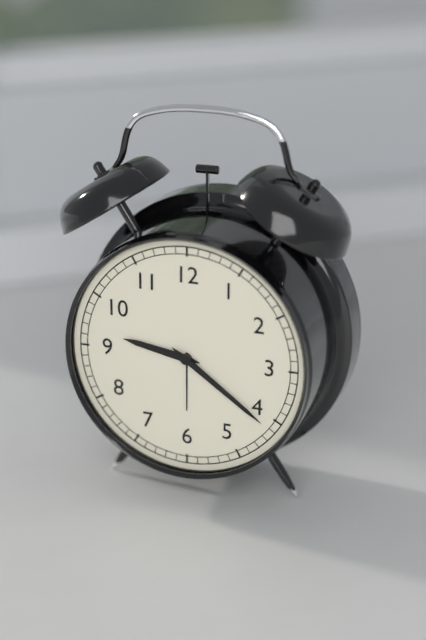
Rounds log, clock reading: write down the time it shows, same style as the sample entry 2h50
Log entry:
9h21
